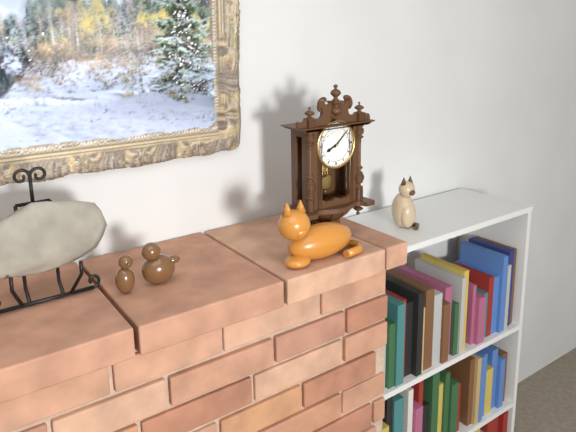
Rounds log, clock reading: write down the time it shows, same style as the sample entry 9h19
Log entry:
8h08
